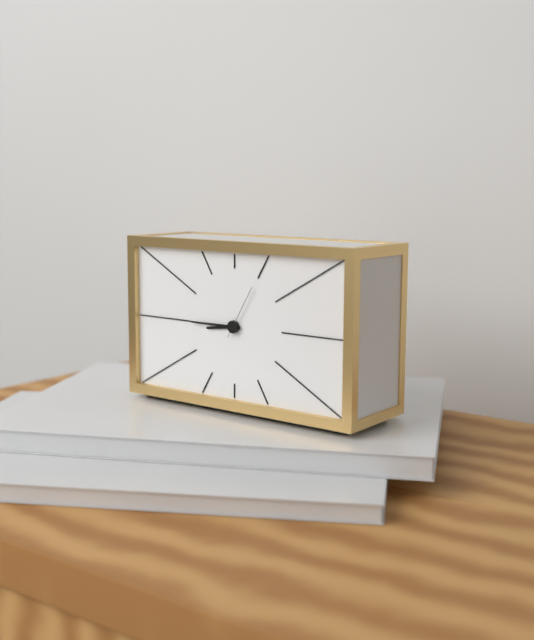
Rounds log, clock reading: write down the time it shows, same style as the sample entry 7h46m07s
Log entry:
8h45m05s
